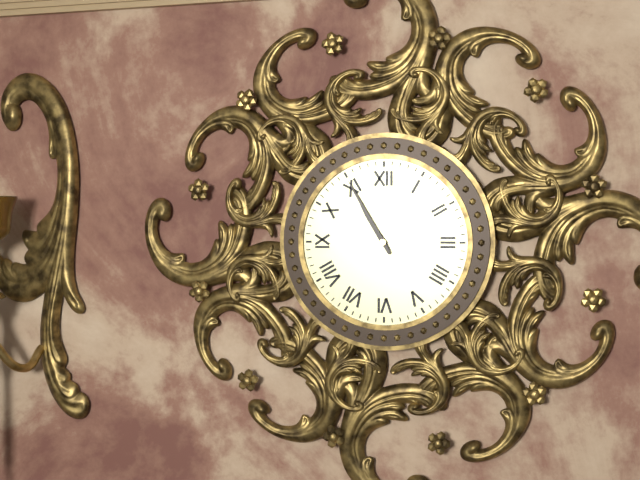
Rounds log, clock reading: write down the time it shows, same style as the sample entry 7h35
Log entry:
10h55
